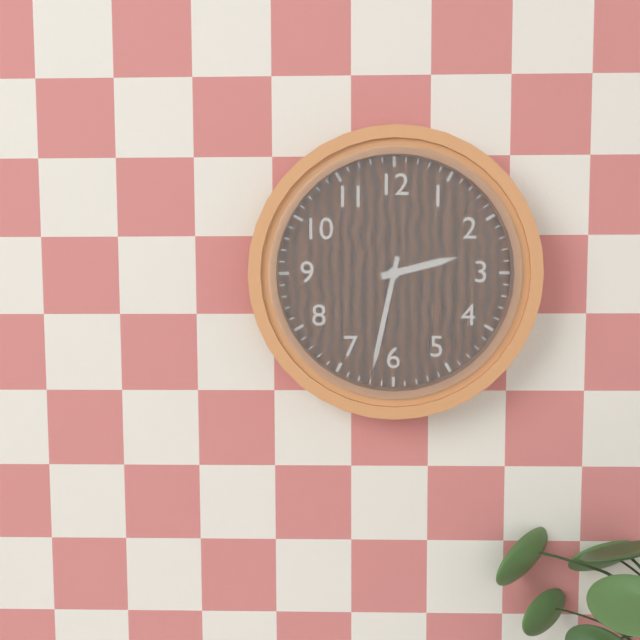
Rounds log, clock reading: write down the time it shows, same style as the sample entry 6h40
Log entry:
2h32
